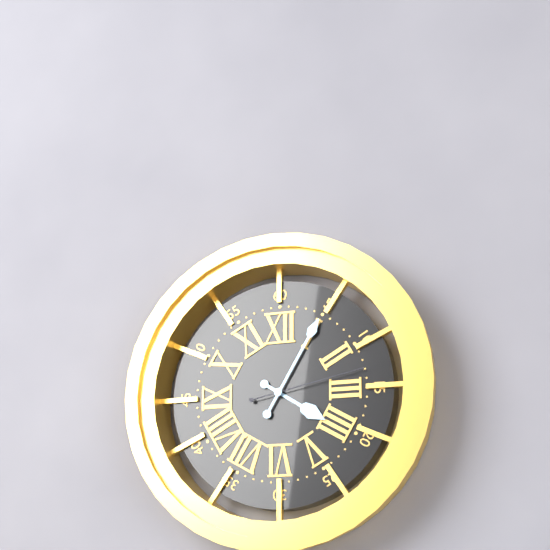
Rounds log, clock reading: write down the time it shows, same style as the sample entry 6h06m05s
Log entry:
4h05m13s
